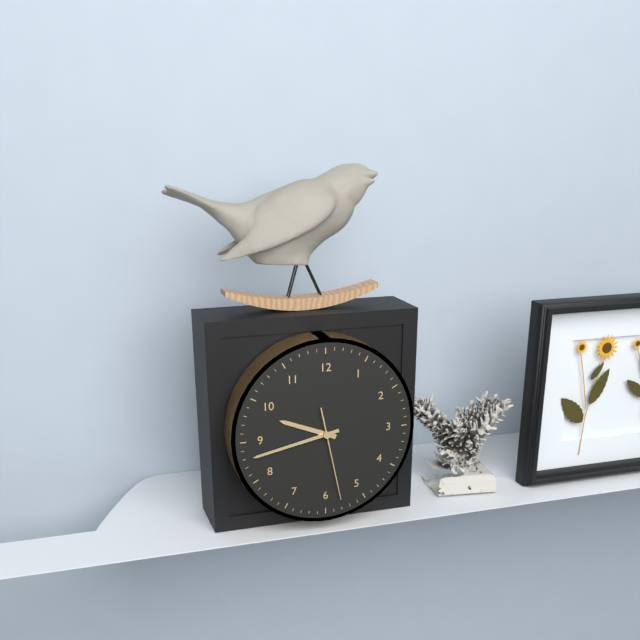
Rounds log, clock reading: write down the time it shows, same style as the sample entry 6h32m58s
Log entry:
9h43m28s
